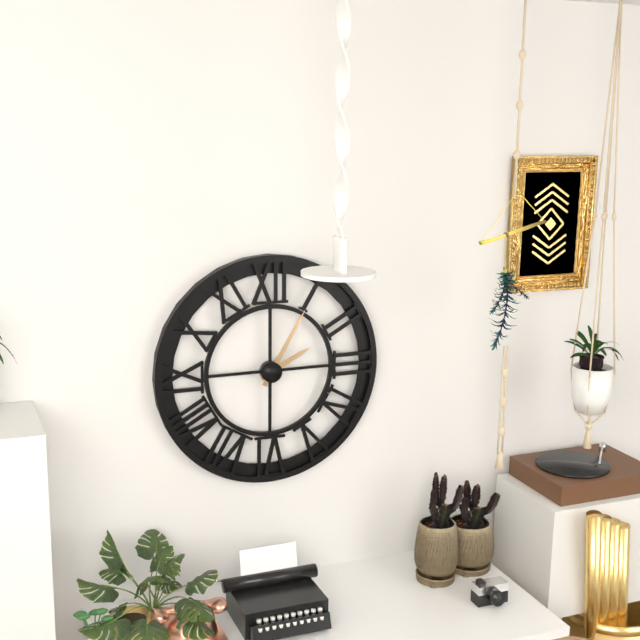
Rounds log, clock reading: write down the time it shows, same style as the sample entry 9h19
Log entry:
2h05
